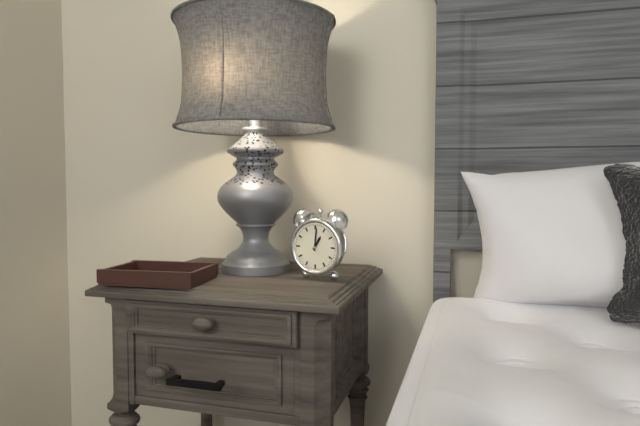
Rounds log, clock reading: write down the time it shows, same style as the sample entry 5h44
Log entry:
1h01
